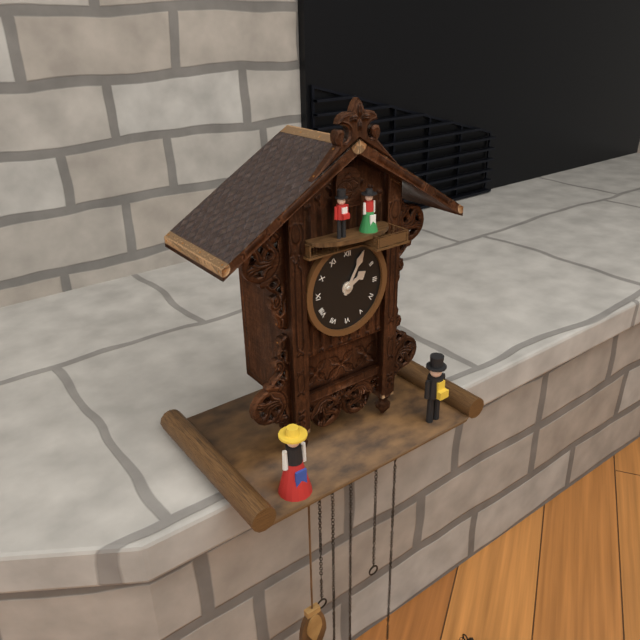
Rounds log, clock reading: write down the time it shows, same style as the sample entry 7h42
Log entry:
2h05
